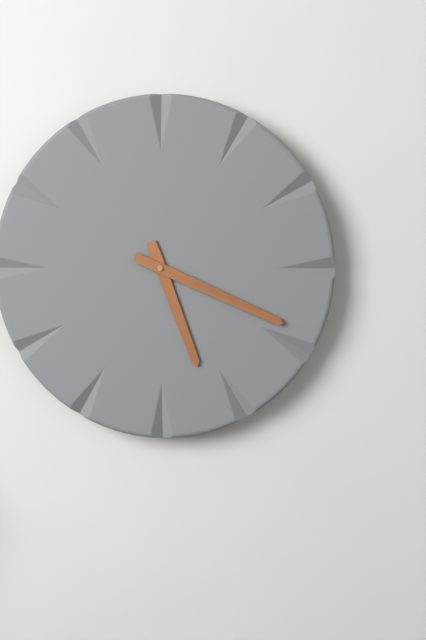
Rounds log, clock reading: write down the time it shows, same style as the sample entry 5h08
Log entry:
5h19
